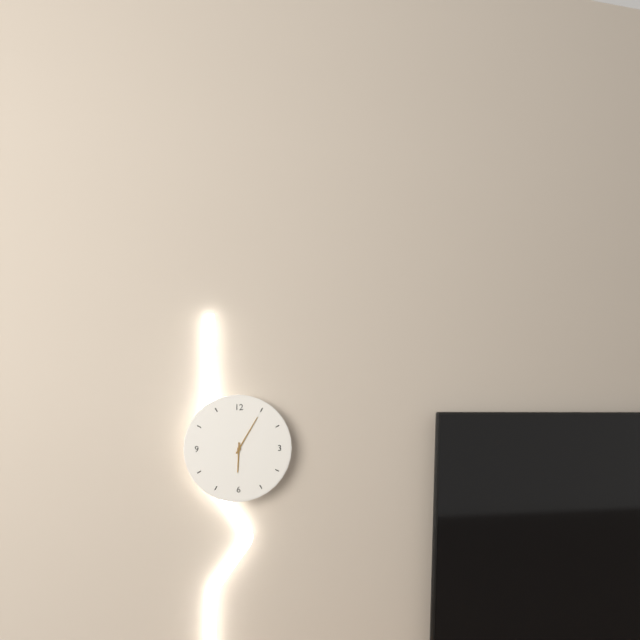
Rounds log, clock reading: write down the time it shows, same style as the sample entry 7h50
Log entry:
6h05
